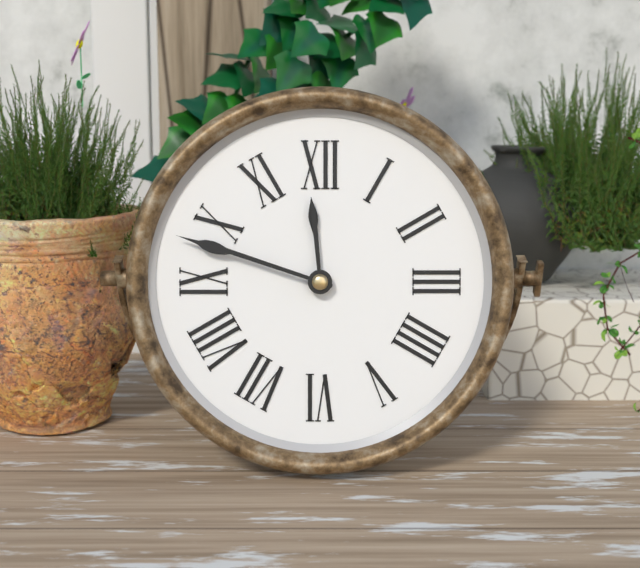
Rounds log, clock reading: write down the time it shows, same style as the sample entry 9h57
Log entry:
11h48
